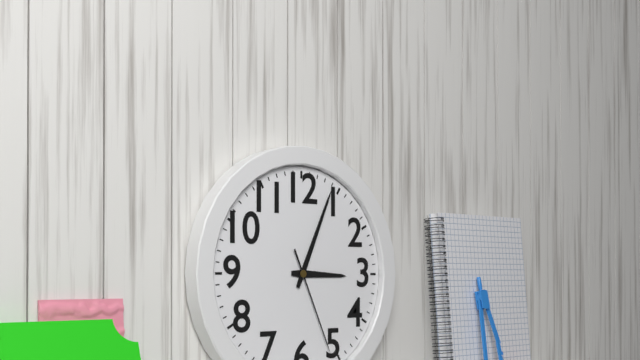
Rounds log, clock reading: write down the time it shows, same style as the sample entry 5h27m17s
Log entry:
3h04m26s
